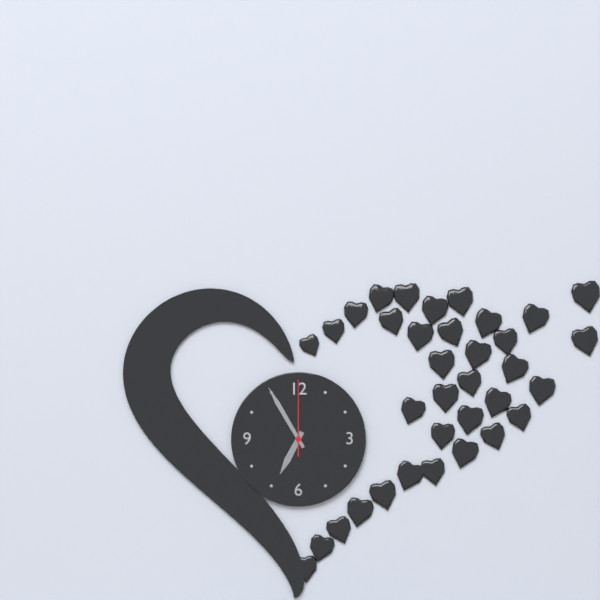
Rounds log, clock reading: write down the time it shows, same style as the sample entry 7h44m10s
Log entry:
6h55m00s
